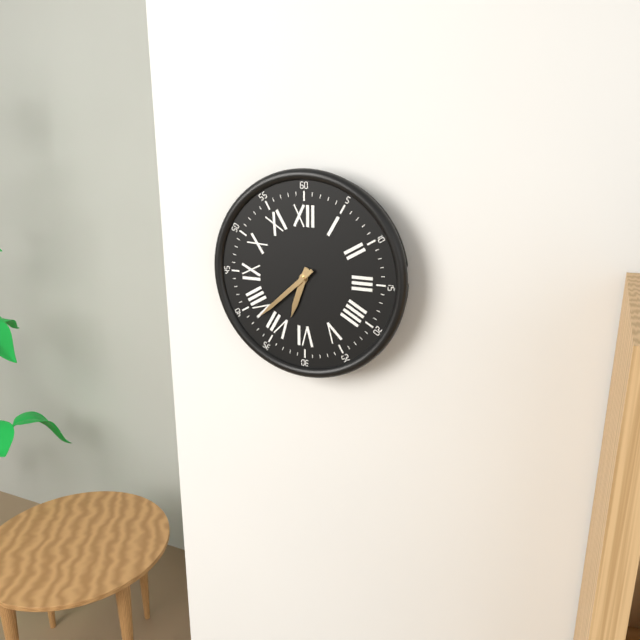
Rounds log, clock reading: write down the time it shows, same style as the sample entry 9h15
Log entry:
6h38
